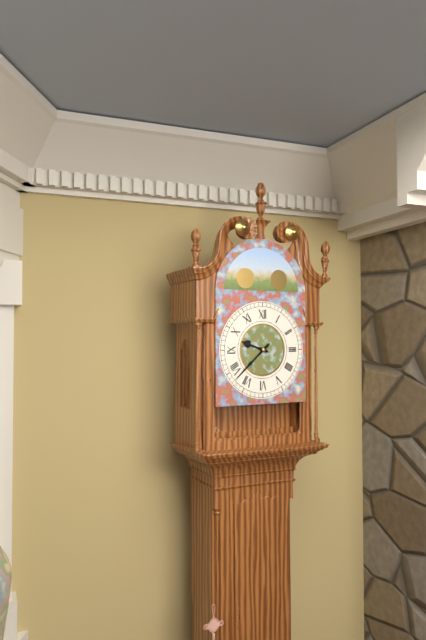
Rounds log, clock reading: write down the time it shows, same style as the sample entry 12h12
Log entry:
9h38
